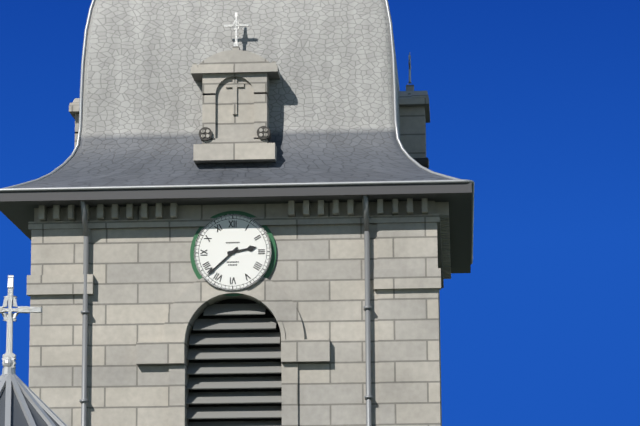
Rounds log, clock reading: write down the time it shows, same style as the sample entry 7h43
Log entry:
2h38
